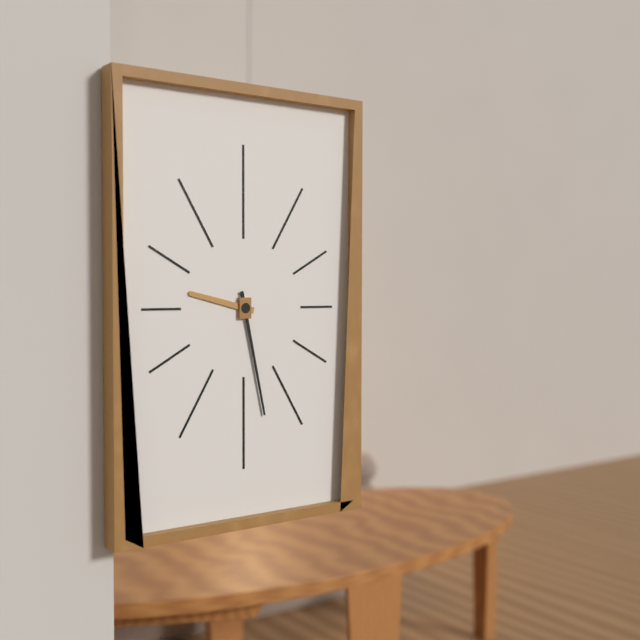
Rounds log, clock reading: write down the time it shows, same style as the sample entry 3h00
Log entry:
9h28
